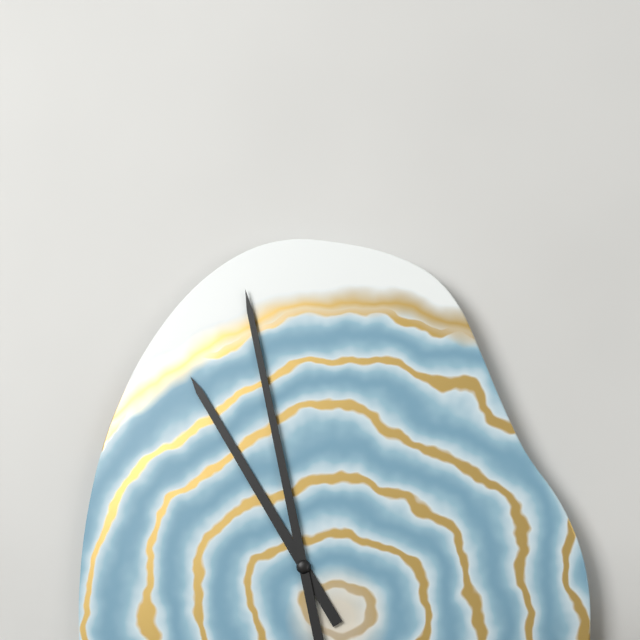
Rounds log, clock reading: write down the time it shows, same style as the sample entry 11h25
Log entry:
10h58
